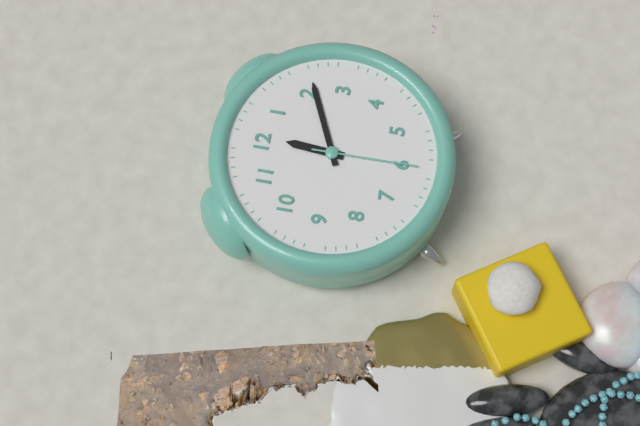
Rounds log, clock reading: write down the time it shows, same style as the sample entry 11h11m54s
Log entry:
12h11m30s
